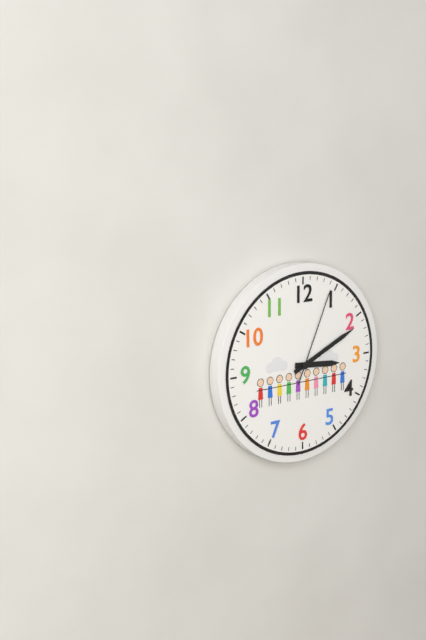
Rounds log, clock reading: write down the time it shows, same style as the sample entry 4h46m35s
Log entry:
3h11m04s
